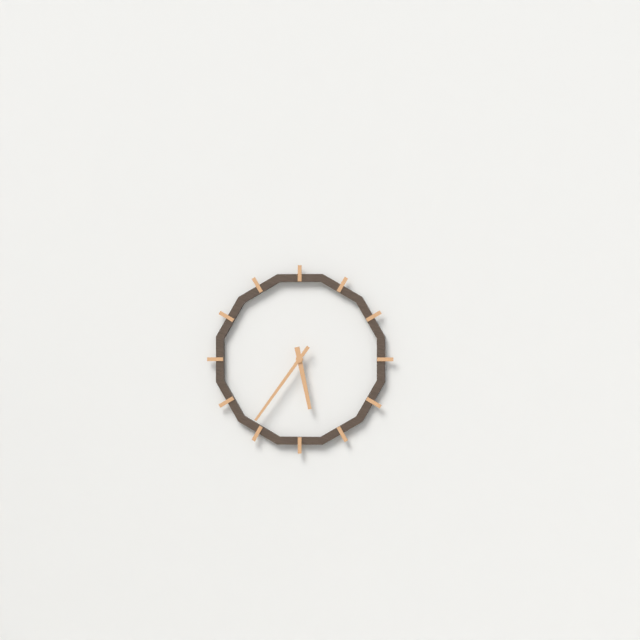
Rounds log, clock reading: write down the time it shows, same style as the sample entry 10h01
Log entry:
5h36
